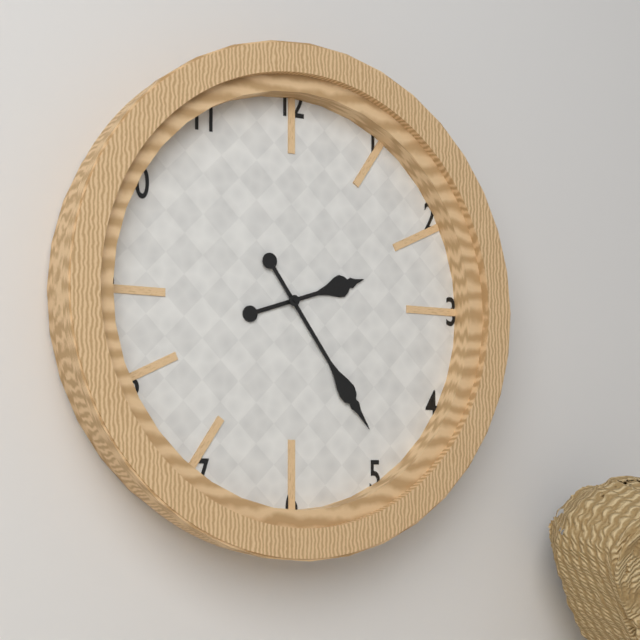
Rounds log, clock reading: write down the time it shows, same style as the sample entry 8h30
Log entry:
2h24
